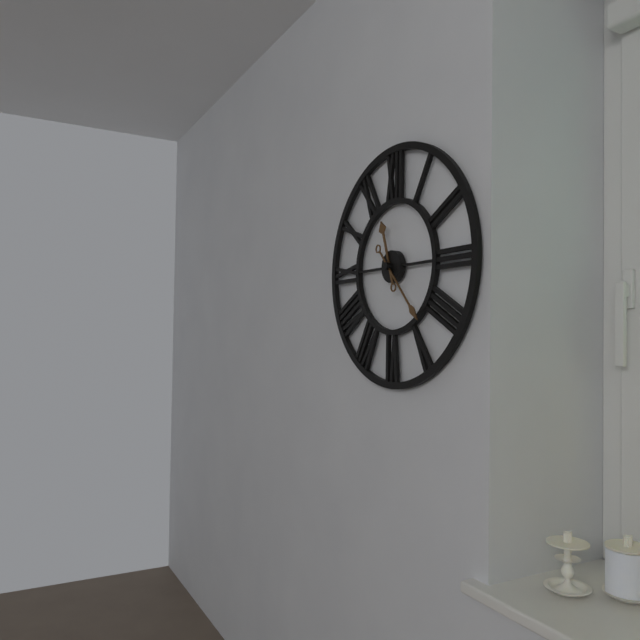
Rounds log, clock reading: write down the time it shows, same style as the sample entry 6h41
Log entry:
11h23
